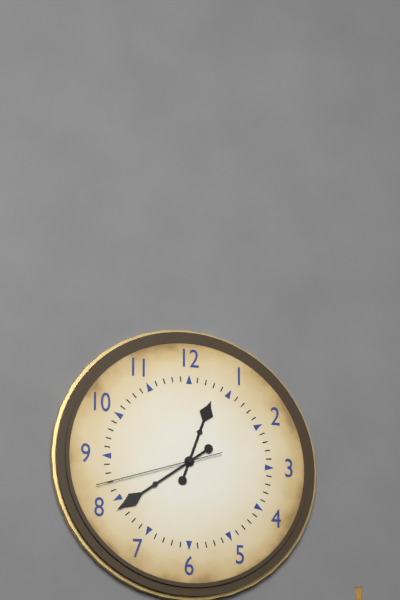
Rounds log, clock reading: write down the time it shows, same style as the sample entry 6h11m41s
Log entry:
12h39m42s
